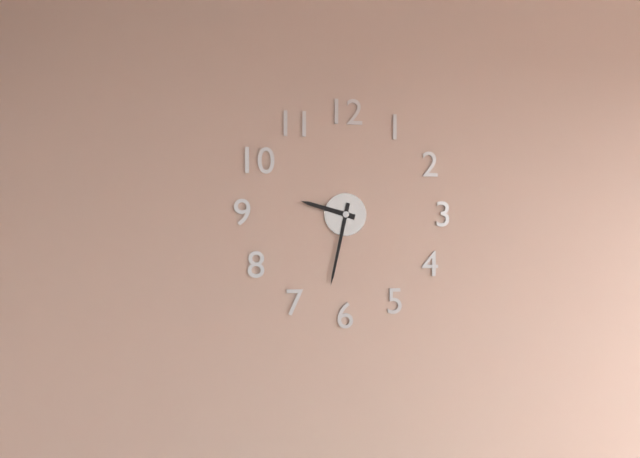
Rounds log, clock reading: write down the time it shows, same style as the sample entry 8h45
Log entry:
9h32
